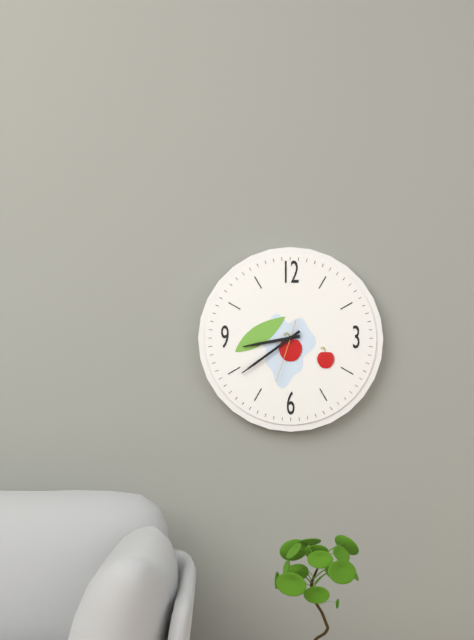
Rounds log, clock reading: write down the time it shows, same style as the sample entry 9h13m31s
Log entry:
8h39m33s
